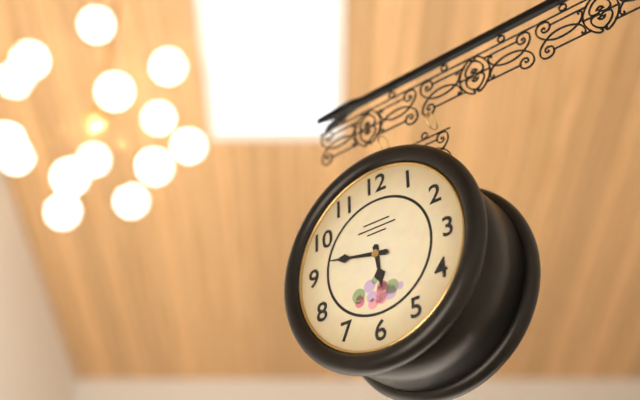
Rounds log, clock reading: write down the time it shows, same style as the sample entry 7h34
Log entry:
5h47
